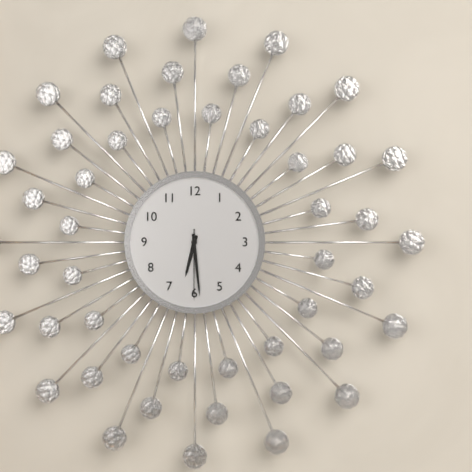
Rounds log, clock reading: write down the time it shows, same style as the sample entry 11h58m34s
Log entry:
6h29m30s
